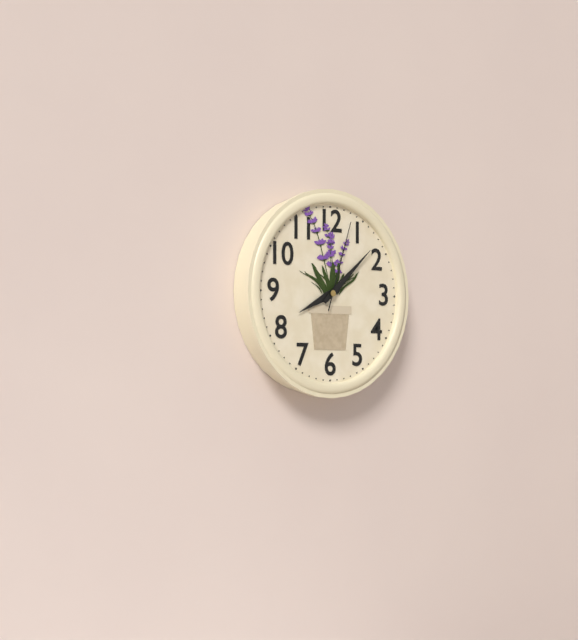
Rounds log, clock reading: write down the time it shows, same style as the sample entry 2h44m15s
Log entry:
8h08m03s
